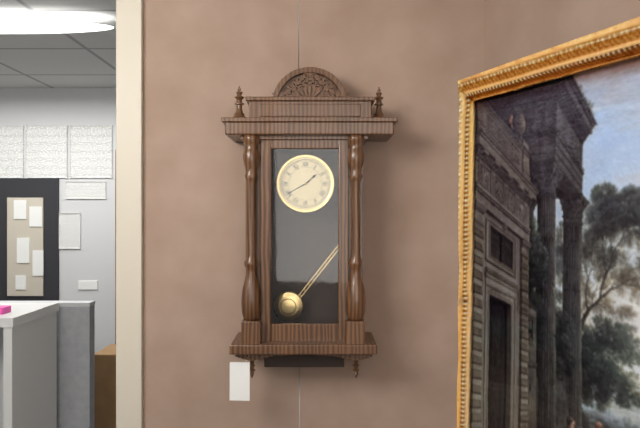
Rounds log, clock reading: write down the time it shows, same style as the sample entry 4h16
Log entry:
1h40
